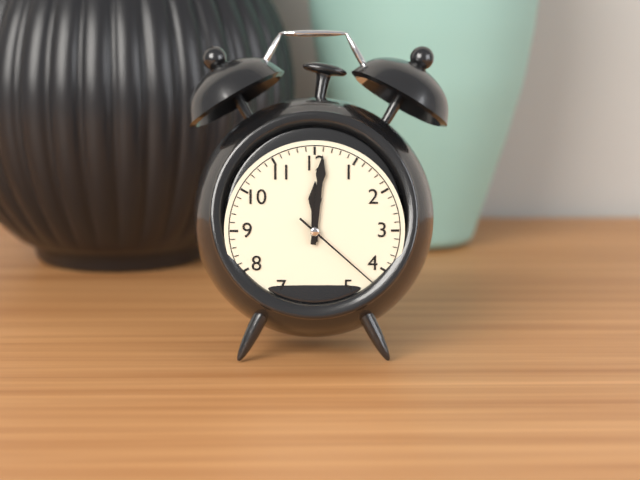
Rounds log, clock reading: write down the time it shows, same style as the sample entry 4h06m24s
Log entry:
12h01m22s
